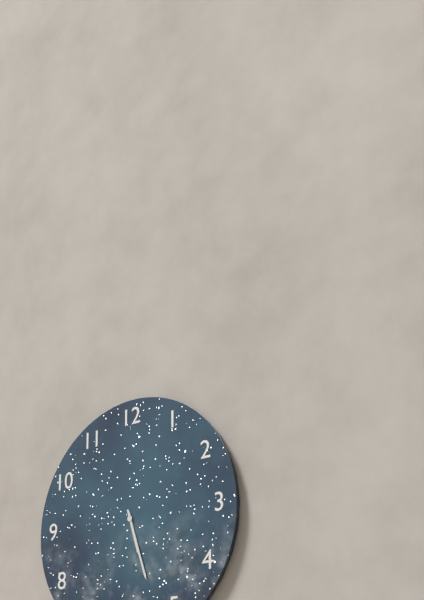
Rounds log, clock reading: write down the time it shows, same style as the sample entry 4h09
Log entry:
5h27
